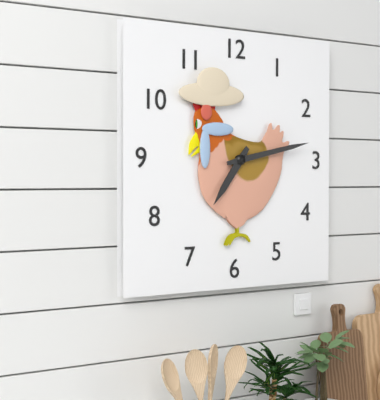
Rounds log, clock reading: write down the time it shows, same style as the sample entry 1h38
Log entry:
7h13
